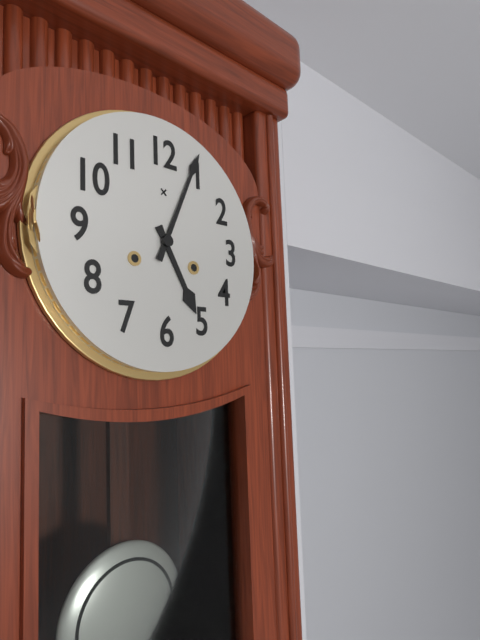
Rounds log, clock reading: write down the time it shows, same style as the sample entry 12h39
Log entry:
5h04
